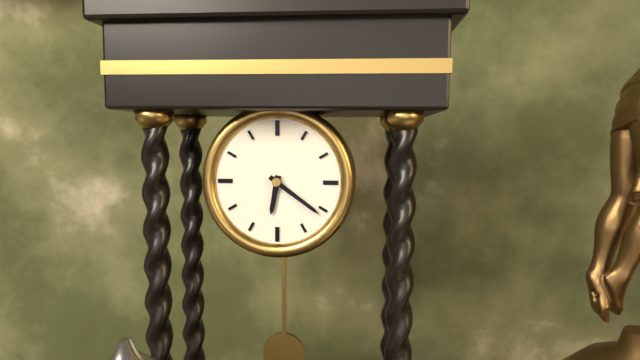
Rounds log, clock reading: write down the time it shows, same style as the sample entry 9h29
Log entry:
6h21
